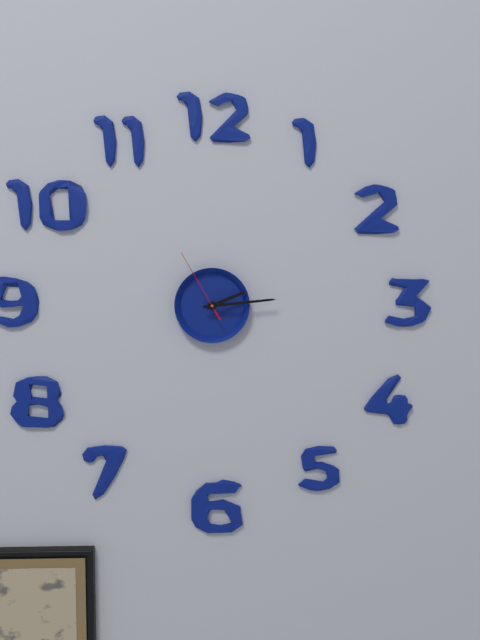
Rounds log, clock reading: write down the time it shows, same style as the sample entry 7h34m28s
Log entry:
2h14m55s
